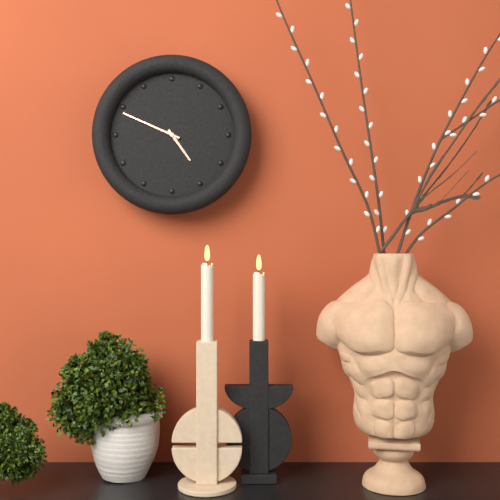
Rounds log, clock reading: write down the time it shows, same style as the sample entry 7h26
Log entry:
4h49
